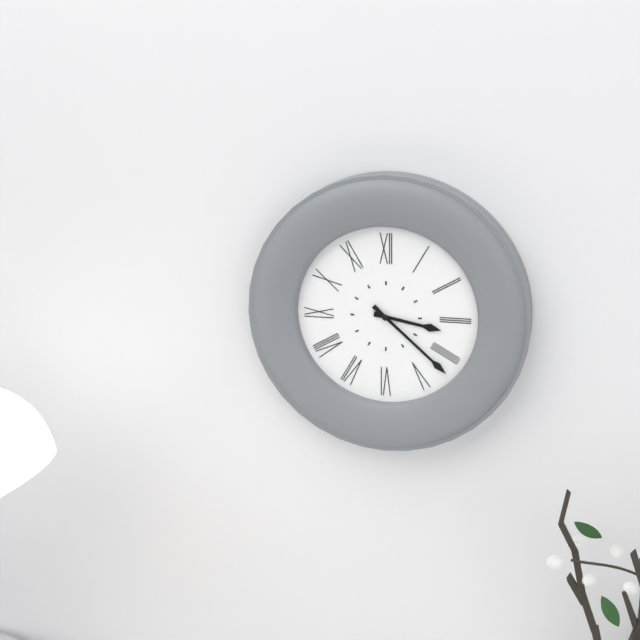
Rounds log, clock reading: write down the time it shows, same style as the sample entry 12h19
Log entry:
3h22
